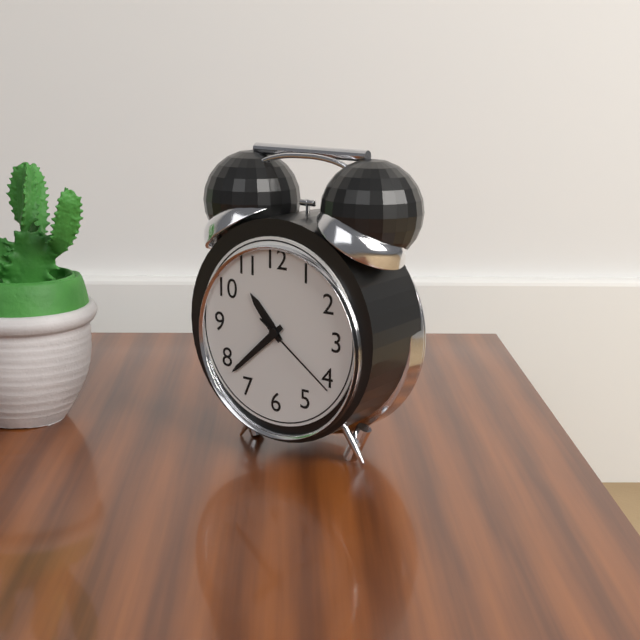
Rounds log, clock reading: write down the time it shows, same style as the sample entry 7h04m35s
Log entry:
10h38m21s
